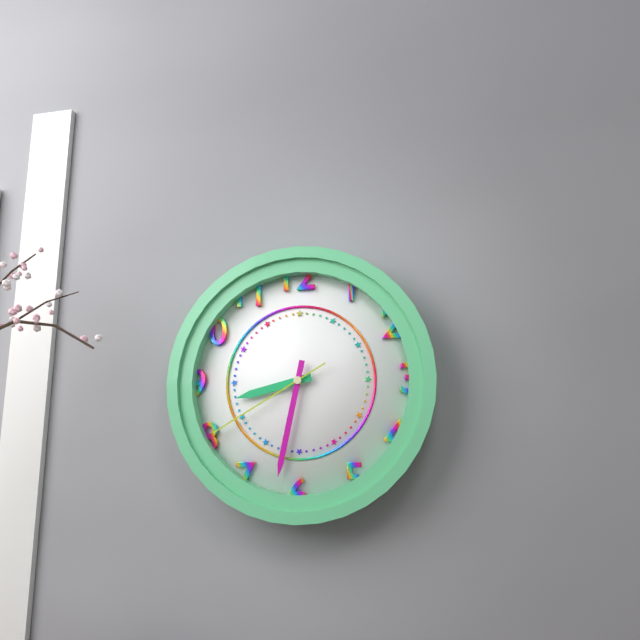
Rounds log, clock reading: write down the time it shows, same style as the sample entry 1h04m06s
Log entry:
8h32m40s
